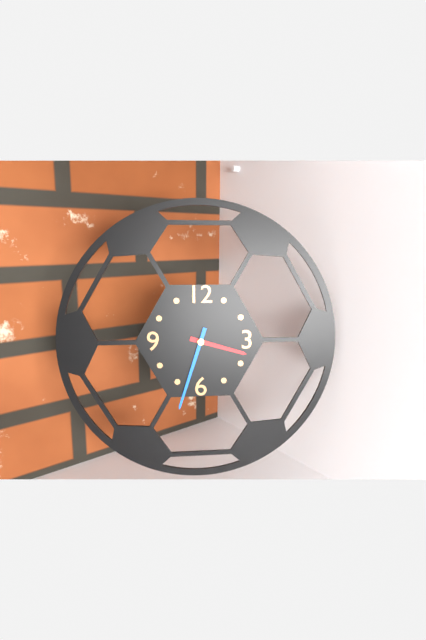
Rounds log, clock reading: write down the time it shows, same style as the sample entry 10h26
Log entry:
3h33
